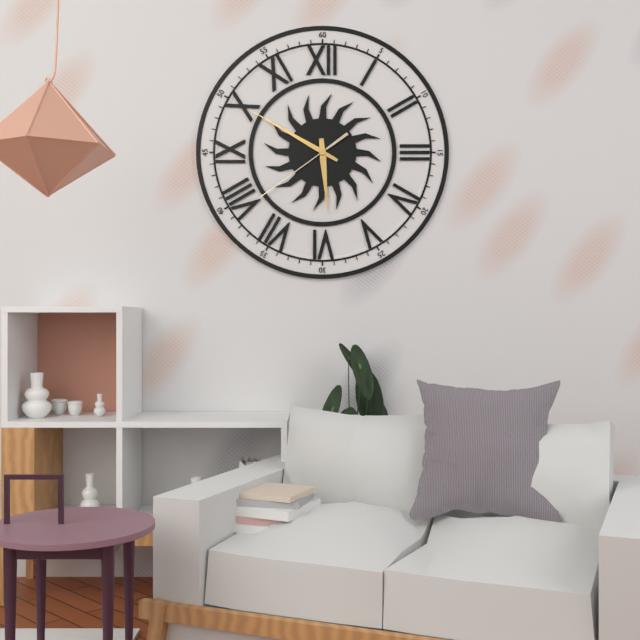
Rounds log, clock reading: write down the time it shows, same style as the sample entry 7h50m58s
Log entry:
5h50m39s
